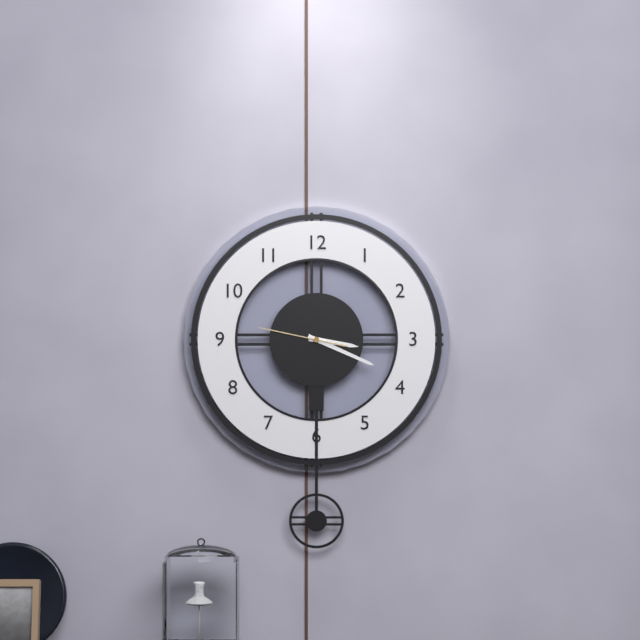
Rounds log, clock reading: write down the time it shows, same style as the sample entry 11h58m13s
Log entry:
3h19m47s
